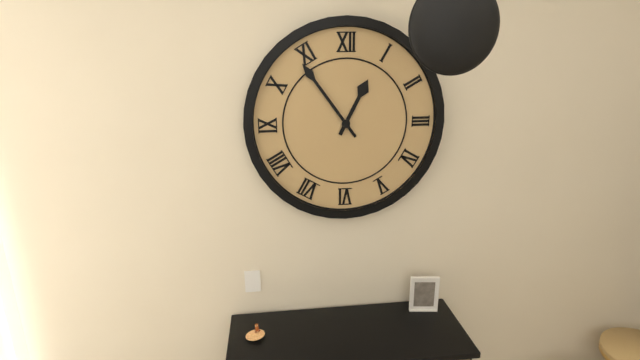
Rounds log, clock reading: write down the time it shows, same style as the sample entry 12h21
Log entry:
12h54
